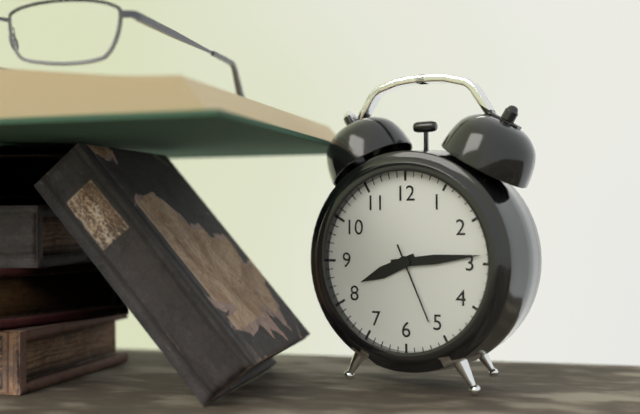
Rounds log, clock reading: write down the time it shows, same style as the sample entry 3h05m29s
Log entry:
8h14m26s
